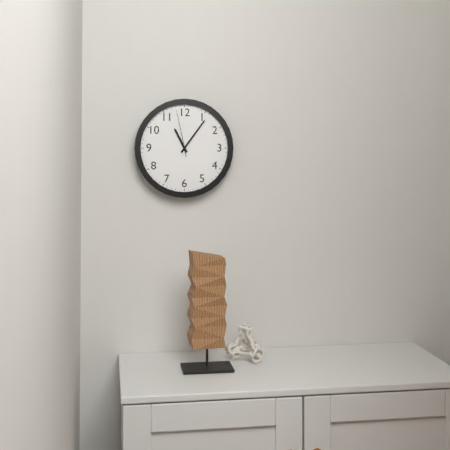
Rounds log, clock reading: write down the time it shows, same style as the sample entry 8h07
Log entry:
11h06
